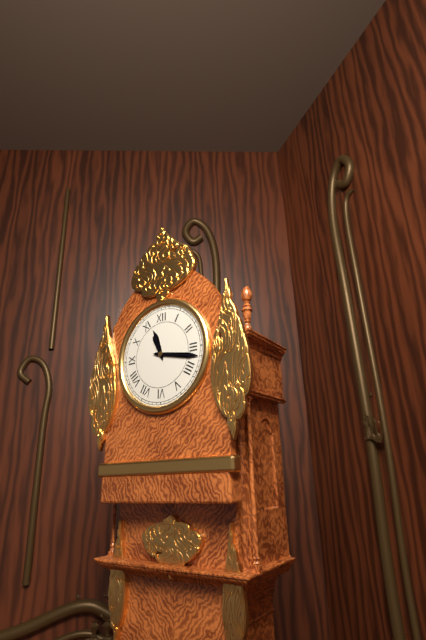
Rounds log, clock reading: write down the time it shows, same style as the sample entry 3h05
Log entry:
11h17
